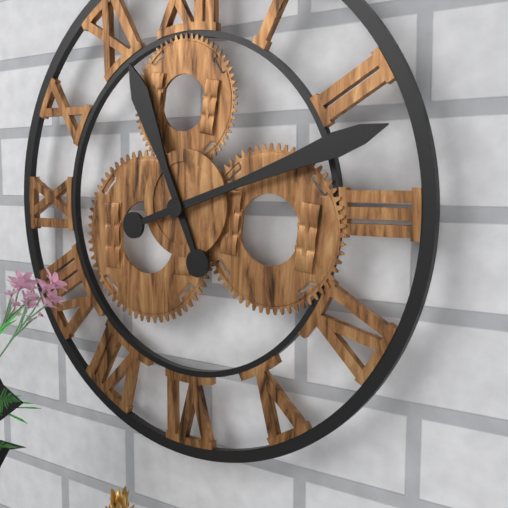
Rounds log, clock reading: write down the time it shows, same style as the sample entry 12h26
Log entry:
11h12
